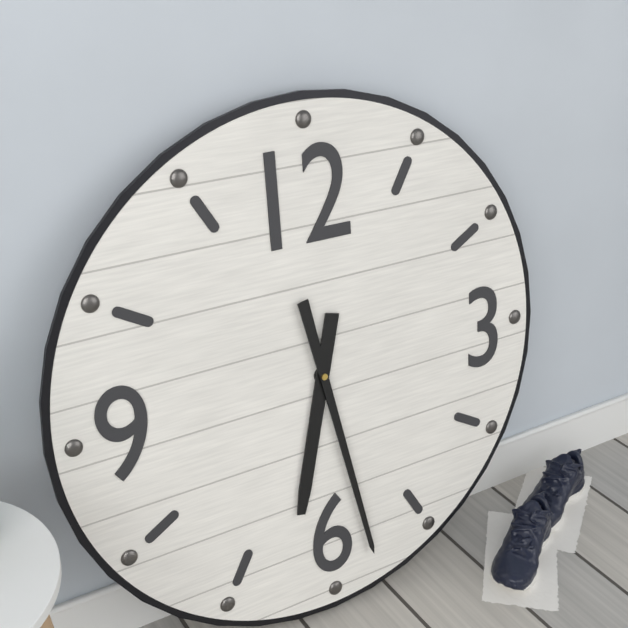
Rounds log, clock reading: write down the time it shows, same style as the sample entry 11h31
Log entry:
6h28
